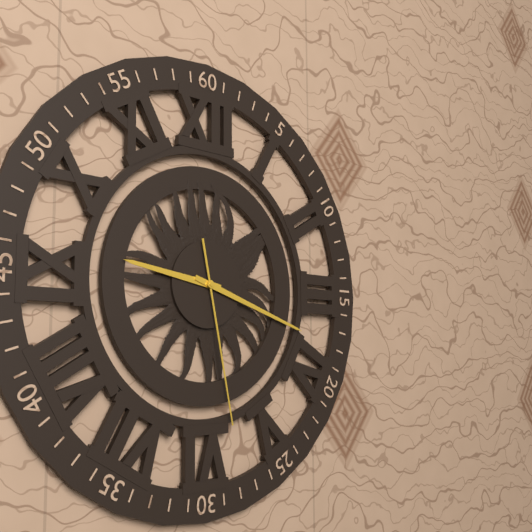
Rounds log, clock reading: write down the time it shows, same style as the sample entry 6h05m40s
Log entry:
9h18m28s
